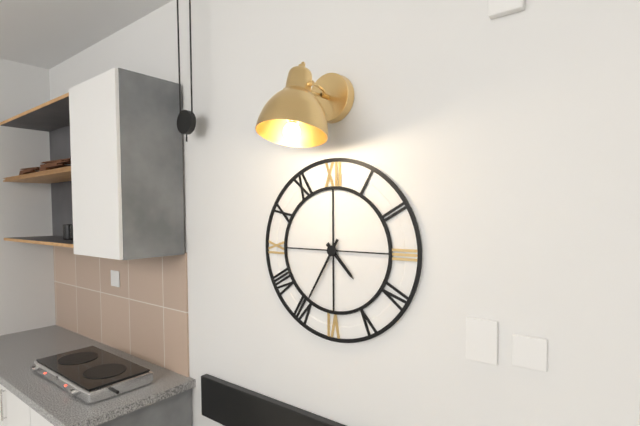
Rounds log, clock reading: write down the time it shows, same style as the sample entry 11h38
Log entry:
4h35
